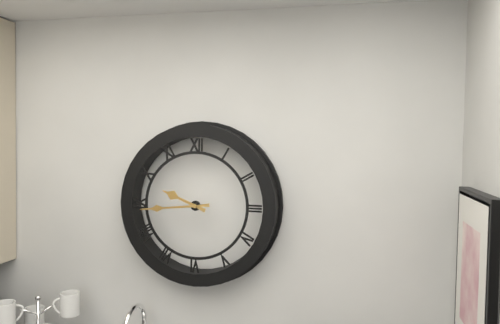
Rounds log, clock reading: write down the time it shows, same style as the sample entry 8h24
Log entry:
9h44
